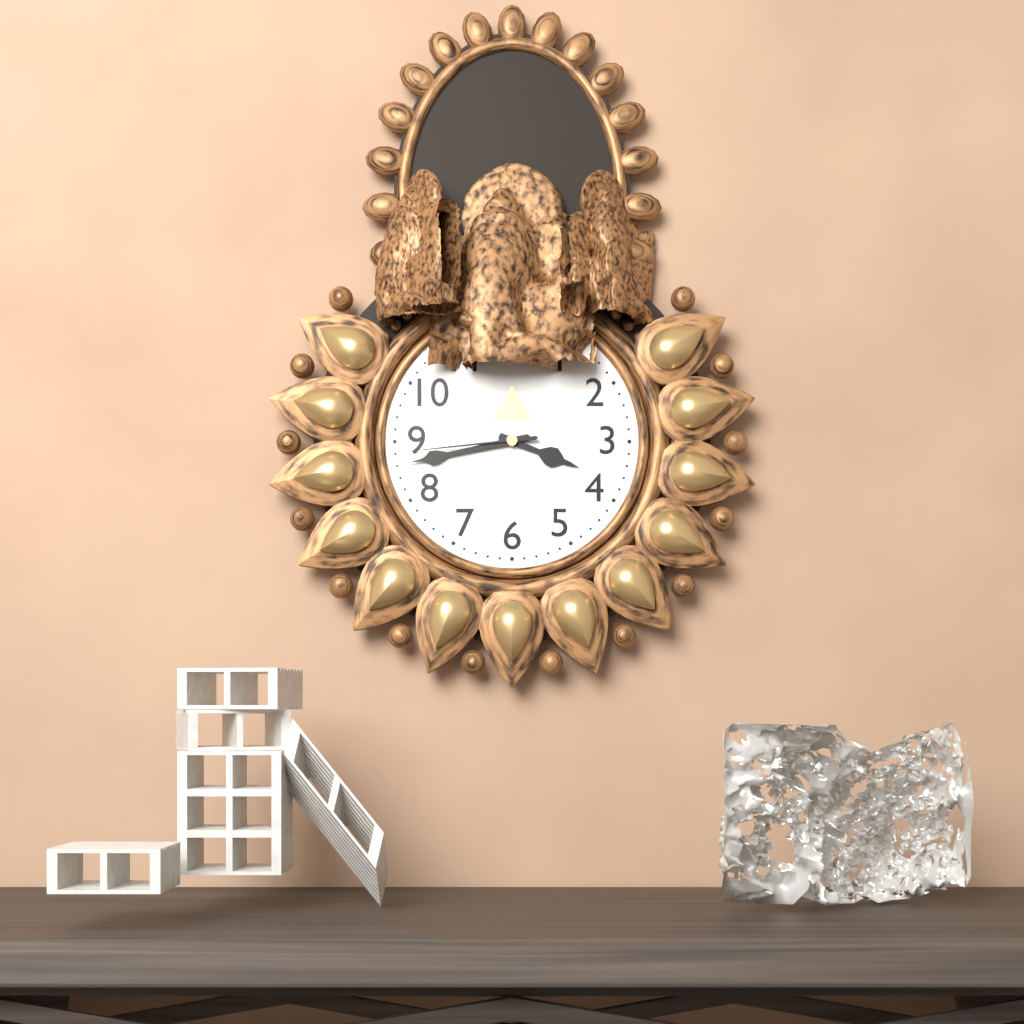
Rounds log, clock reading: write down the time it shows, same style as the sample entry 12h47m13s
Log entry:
3h43m44s
